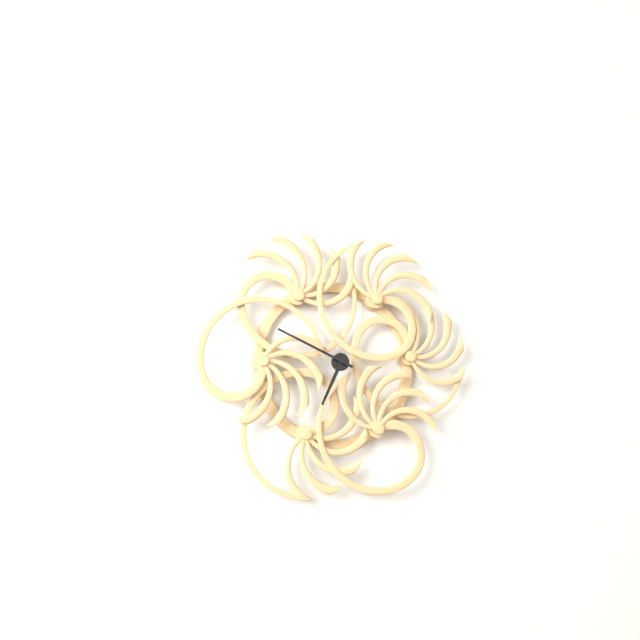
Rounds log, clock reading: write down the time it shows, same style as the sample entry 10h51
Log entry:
6h49
